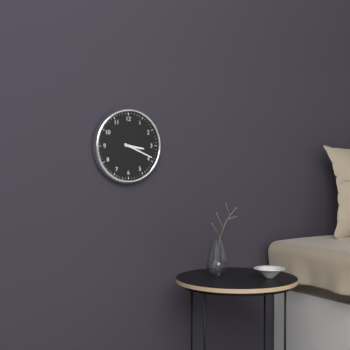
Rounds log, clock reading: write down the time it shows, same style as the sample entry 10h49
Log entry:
3h19
